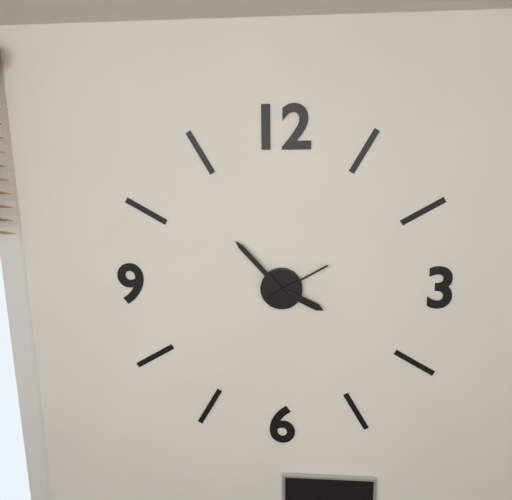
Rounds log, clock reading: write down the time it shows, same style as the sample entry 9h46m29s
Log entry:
3h53m10s
